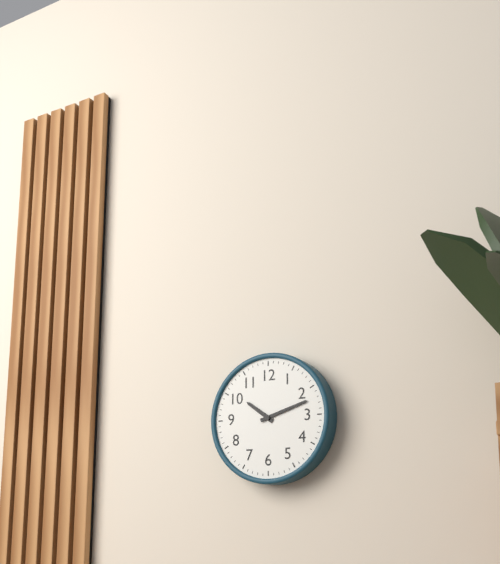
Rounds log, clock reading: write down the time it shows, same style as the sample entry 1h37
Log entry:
10h12
